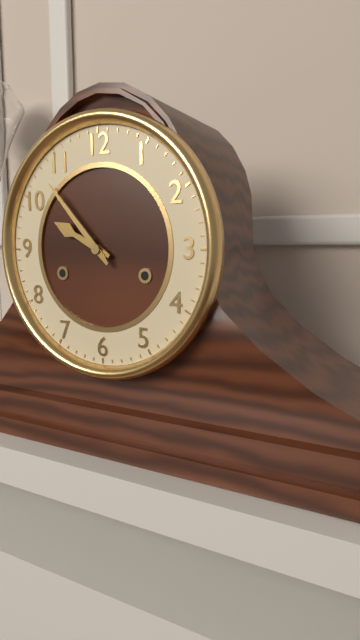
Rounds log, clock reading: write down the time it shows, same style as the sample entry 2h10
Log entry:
9h53
